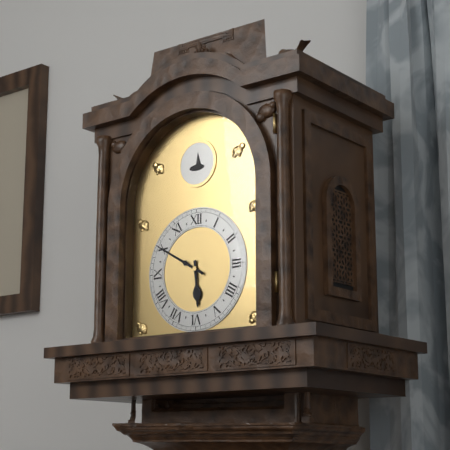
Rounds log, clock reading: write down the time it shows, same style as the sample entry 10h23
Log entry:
5h50
